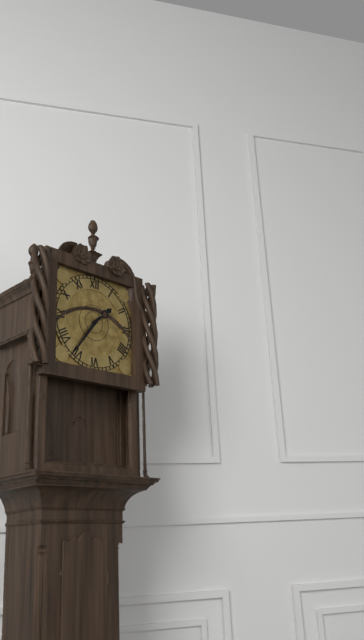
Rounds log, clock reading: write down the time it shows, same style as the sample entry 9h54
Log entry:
1h36
